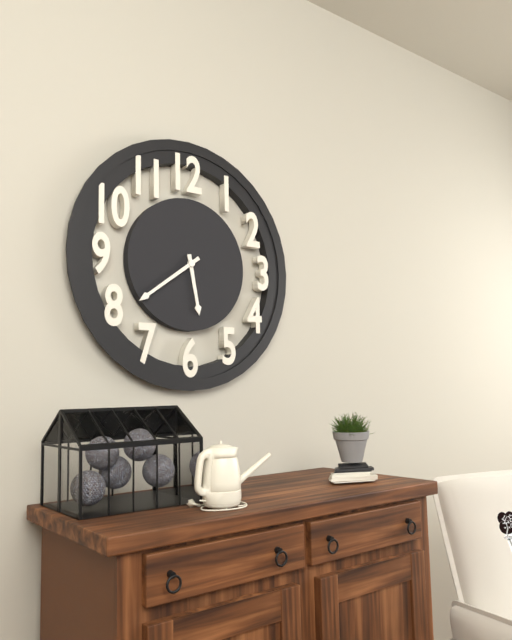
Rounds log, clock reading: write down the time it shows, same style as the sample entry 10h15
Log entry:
5h39
